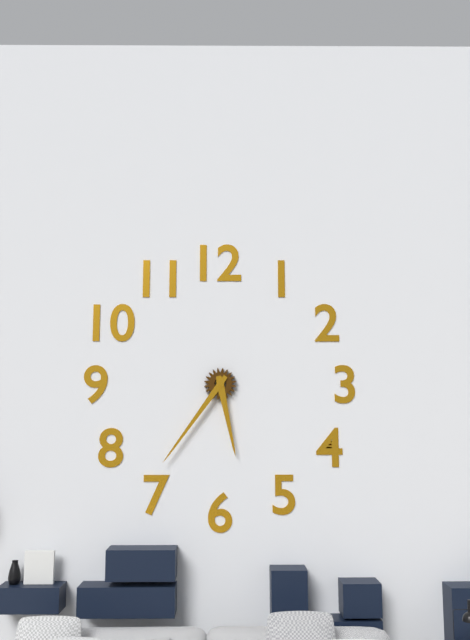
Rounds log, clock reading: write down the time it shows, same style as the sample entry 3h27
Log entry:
5h36
